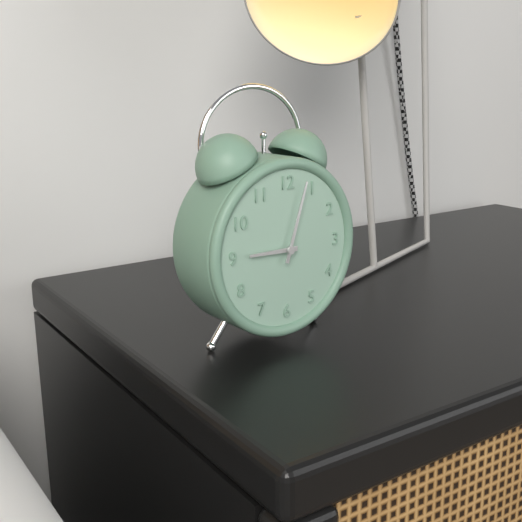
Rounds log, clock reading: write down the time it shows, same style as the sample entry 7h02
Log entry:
9h03
